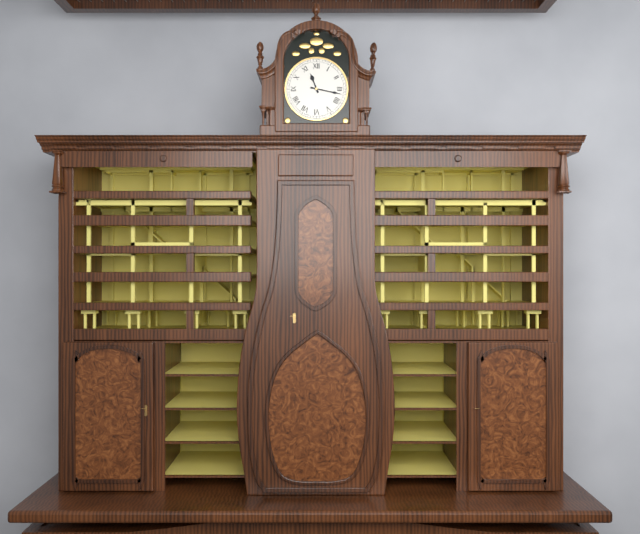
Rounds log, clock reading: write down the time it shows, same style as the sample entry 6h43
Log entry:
11h17
